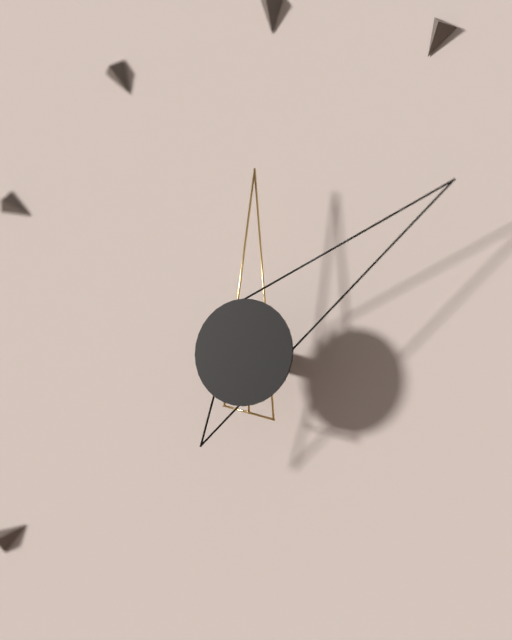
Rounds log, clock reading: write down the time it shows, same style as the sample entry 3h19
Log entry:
12h09
